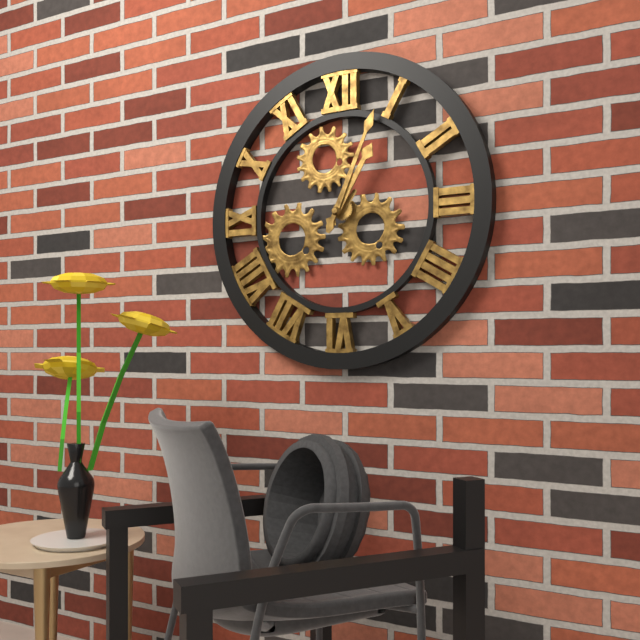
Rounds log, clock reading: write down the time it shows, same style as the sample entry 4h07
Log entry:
1h04
